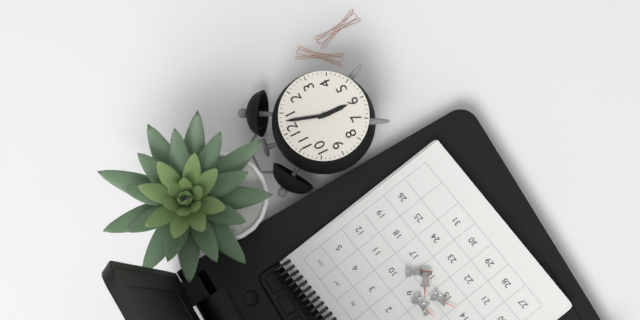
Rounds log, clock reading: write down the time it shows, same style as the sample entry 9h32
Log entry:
6h03
